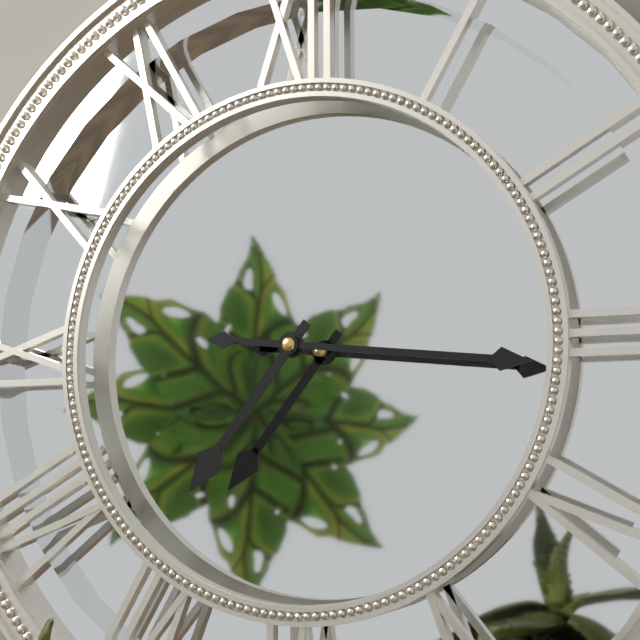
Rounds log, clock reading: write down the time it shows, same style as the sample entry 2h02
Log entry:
7h16
